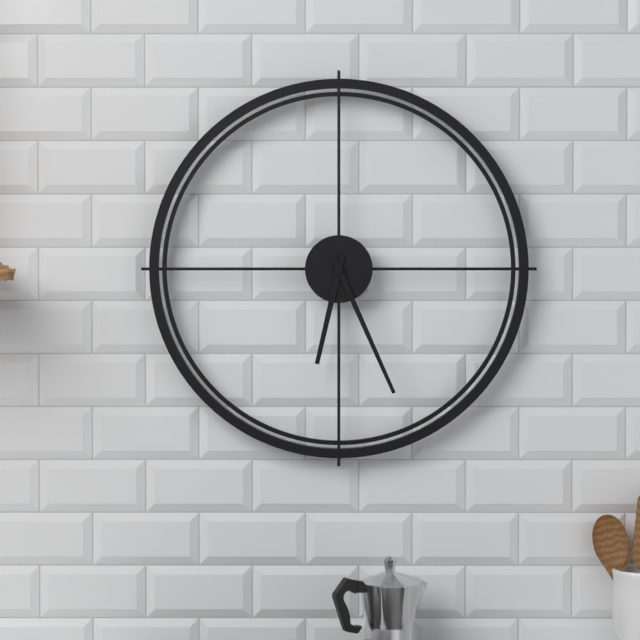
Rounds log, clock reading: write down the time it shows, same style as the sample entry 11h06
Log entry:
6h26
